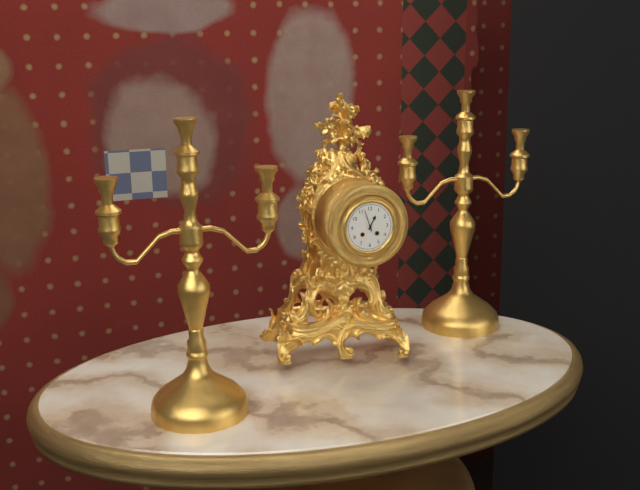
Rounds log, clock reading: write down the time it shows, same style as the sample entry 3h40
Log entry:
12h57
